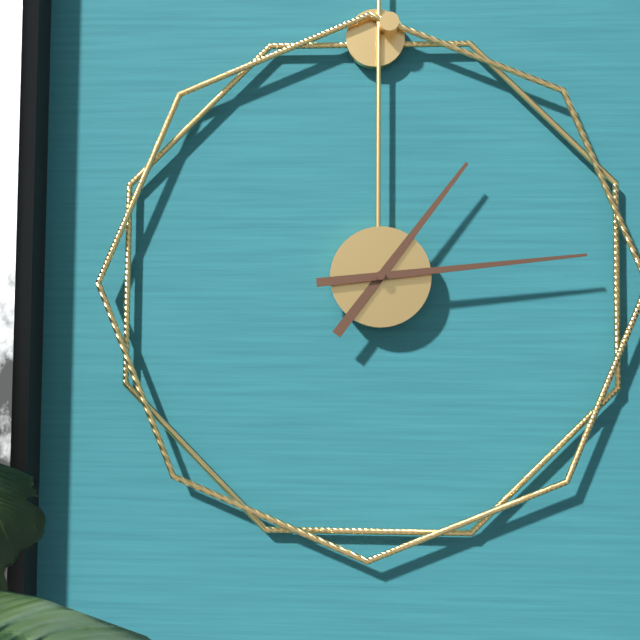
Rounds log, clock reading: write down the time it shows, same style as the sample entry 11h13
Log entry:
1h14
